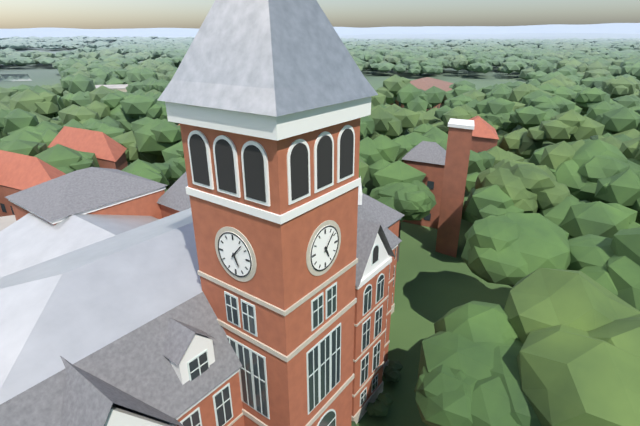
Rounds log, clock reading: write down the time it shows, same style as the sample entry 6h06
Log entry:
5h07
